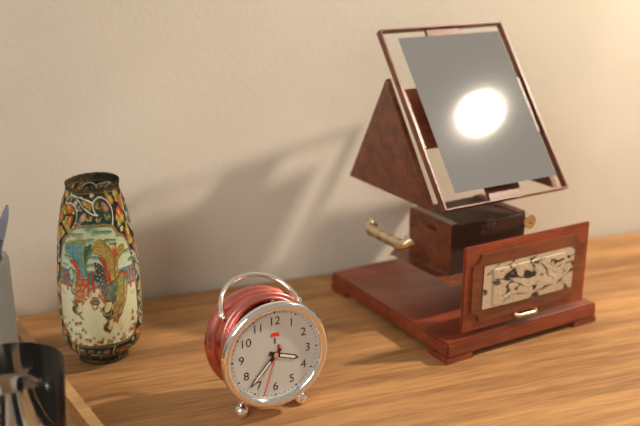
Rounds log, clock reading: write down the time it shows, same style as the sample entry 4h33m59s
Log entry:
3h37m33s
